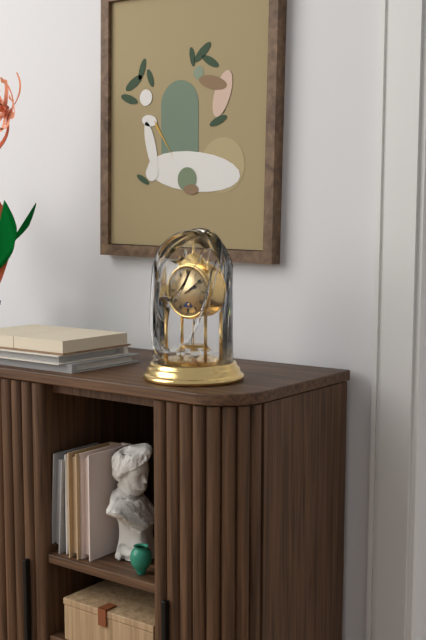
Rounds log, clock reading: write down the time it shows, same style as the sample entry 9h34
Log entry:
2h09
